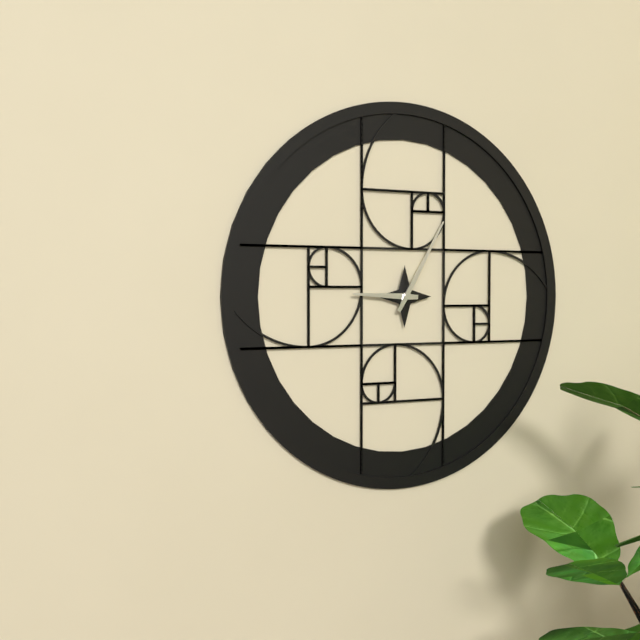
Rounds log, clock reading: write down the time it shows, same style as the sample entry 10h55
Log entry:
9h05
